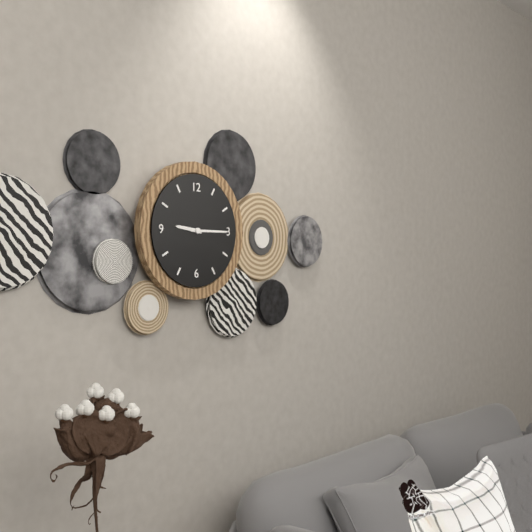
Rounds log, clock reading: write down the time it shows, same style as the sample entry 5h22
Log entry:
9h15
